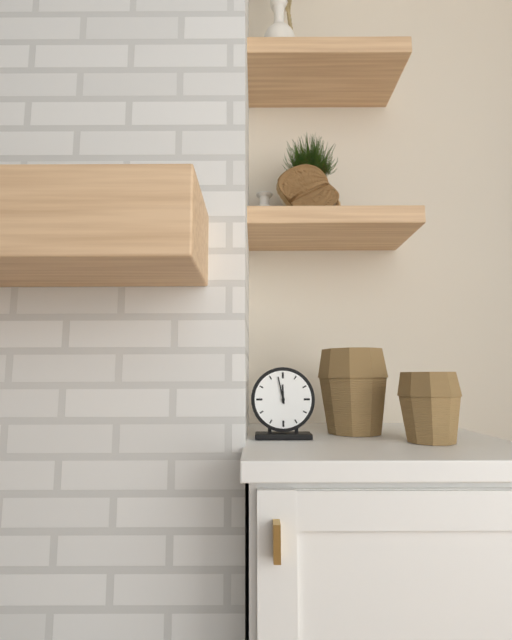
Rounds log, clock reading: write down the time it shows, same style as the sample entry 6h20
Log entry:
11h58
